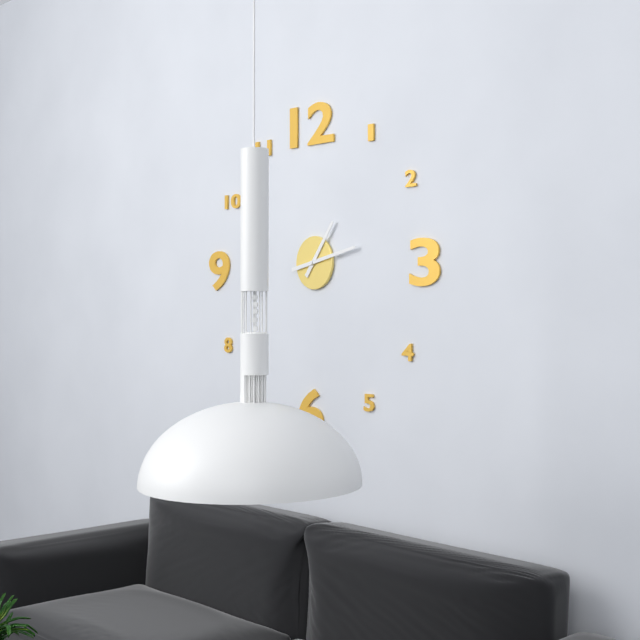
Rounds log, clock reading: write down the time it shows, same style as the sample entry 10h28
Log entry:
1h13
